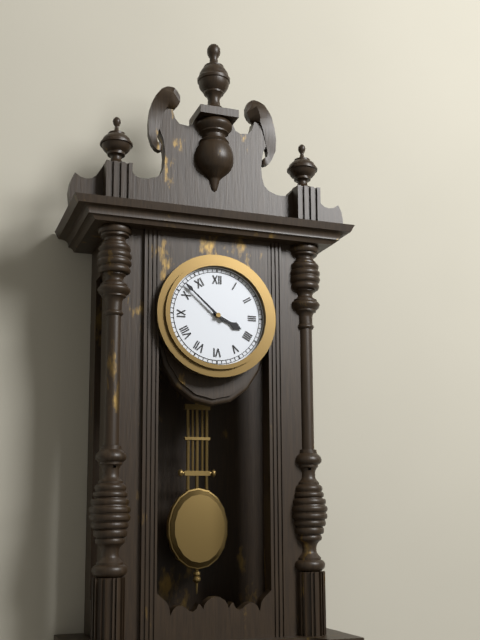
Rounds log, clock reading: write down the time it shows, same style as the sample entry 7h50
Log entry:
3h52
